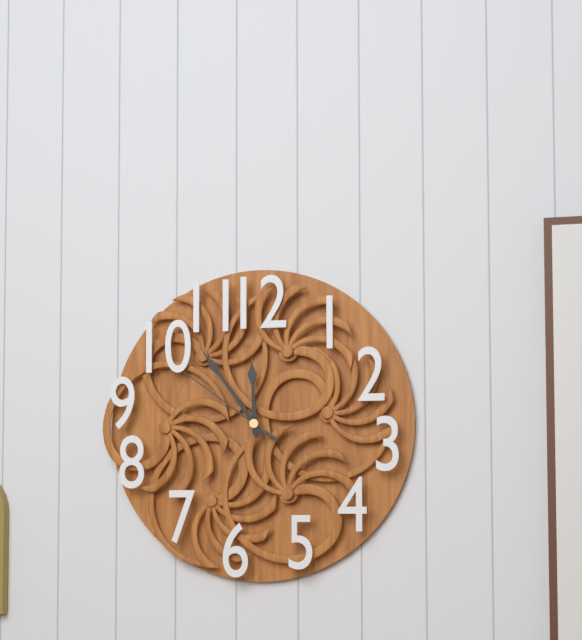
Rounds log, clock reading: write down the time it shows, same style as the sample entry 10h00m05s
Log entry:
11h54m51s
